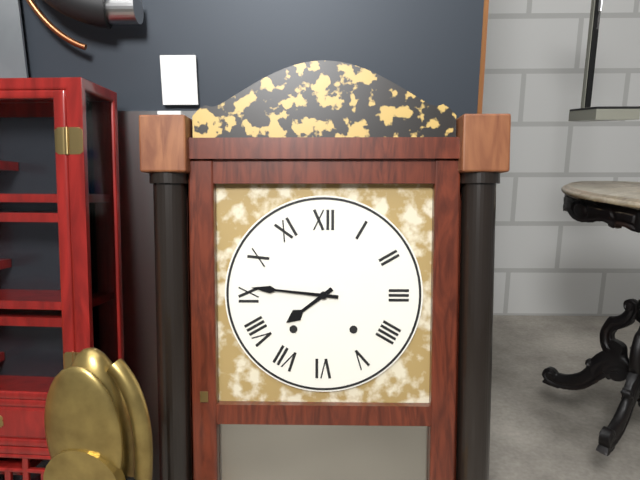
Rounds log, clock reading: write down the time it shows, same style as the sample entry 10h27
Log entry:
7h46
